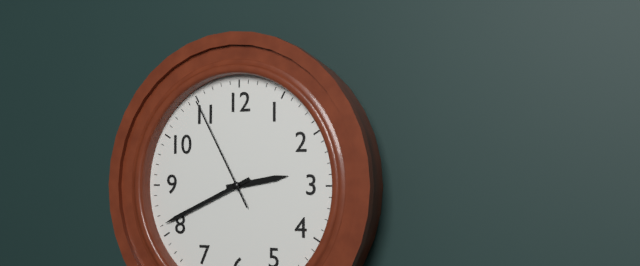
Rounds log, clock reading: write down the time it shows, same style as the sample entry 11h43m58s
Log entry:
2h41m55s
